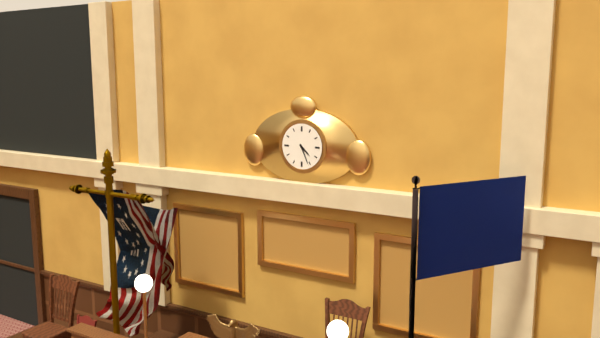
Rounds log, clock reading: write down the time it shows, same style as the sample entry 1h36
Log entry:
4h26
